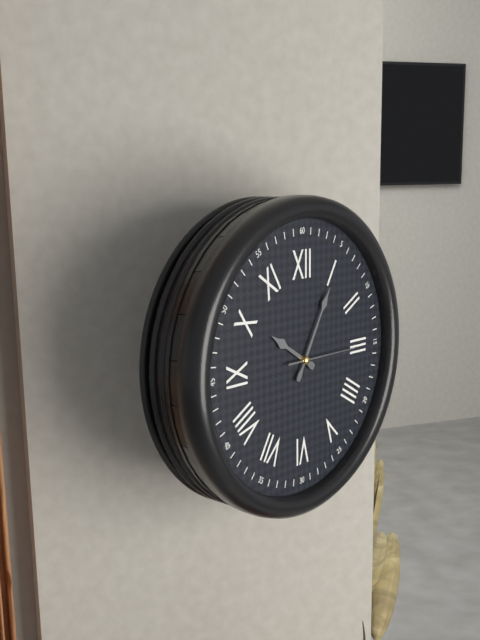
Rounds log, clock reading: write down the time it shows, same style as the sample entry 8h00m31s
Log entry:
10h05m15s
